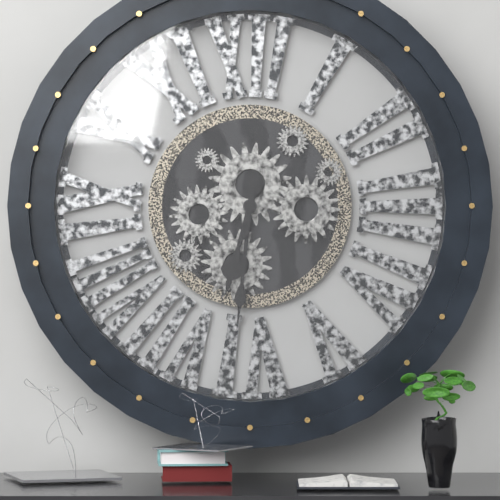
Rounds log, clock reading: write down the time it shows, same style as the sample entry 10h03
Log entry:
6h31
